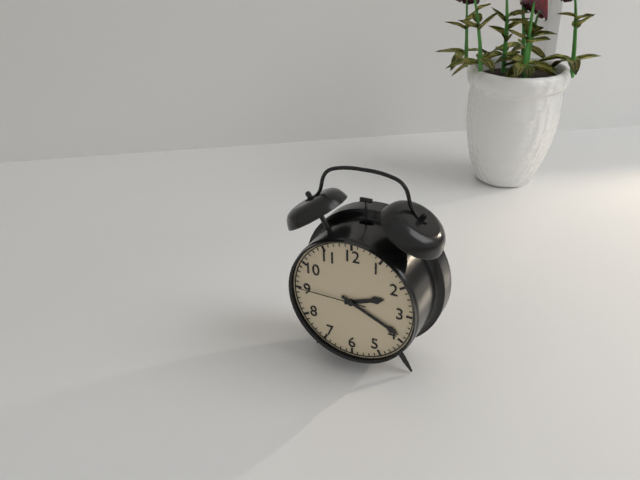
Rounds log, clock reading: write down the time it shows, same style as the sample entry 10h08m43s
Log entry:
2h19m45s
